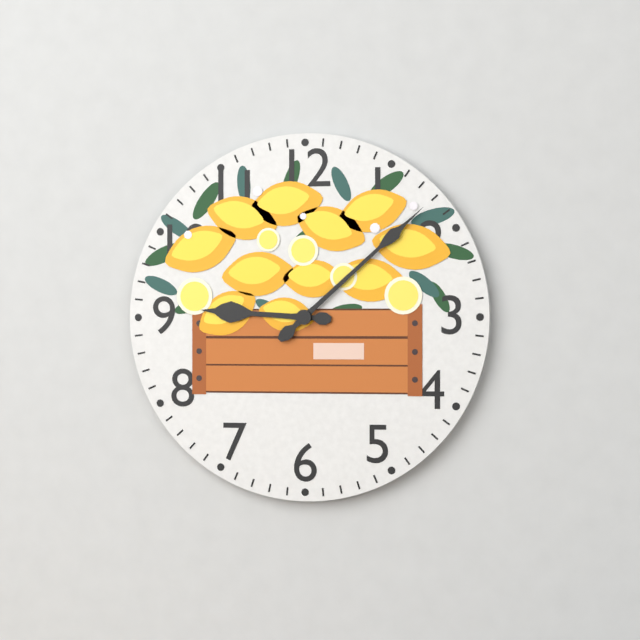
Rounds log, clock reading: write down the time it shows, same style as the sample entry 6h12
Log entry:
9h08
